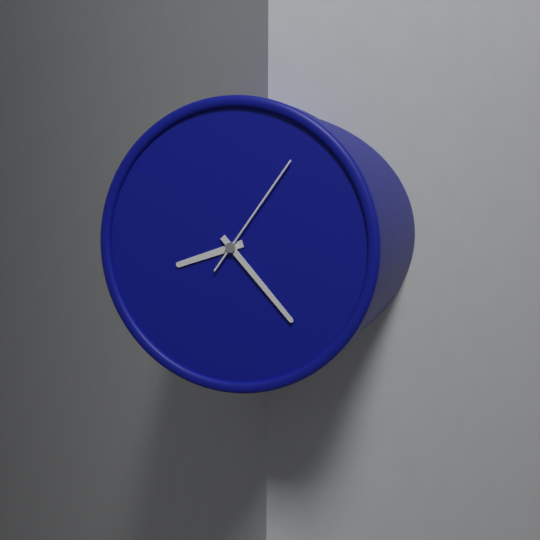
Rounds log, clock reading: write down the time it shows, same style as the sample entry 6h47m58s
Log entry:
8h23m06s
